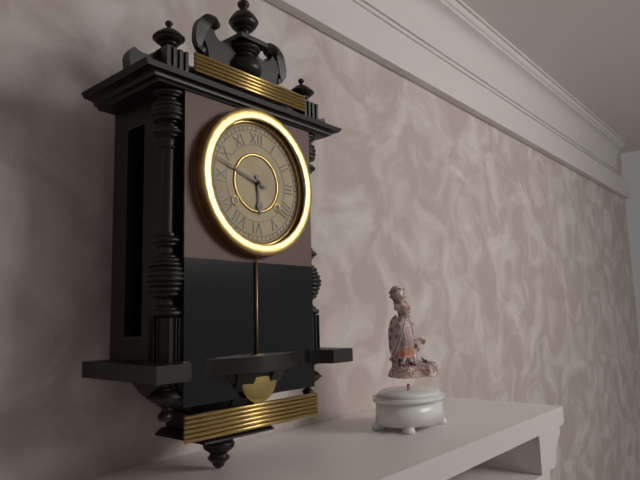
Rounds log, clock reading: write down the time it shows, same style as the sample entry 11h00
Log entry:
5h48
